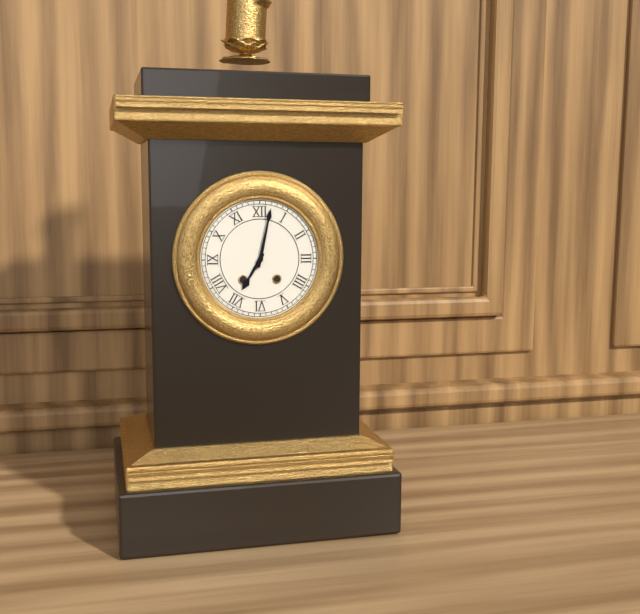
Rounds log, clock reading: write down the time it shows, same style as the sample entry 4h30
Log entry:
7h02
